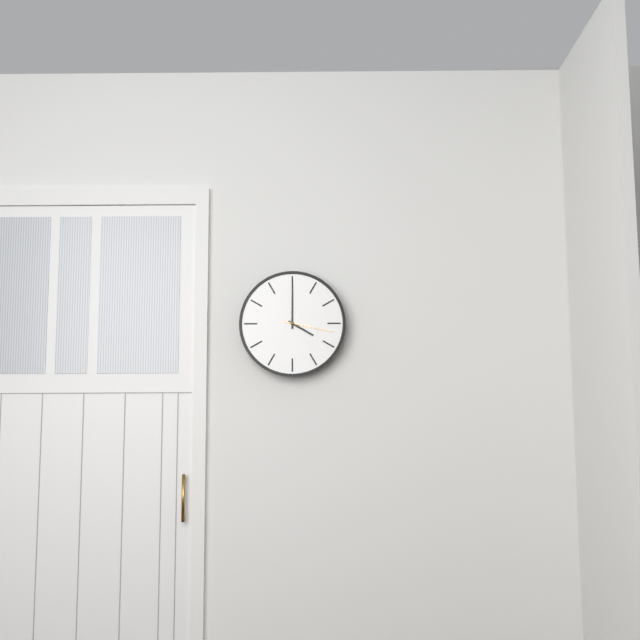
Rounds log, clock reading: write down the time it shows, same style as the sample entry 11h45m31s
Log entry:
4h00m17s
